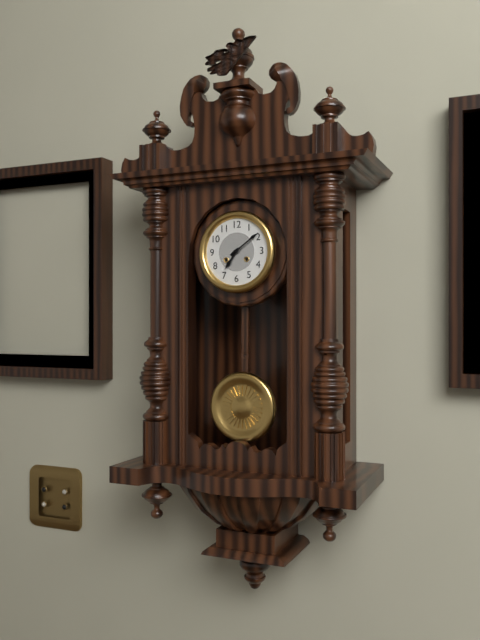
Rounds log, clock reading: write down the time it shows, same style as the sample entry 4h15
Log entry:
7h09
